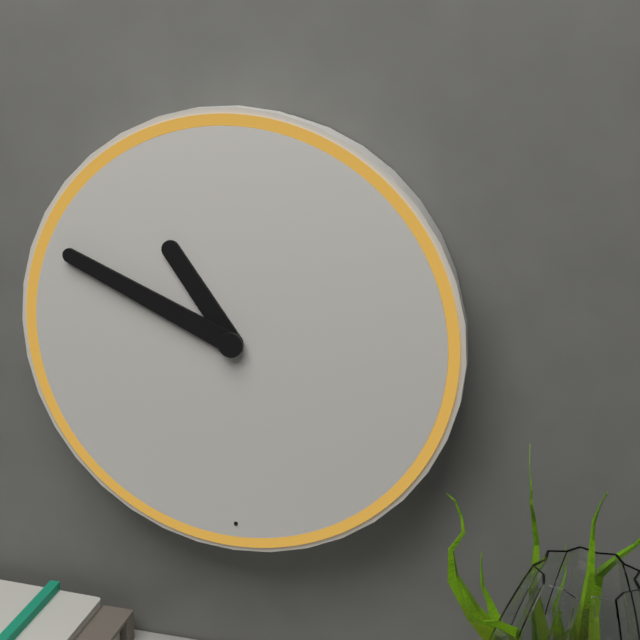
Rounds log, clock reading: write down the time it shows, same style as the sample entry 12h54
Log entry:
10h49
